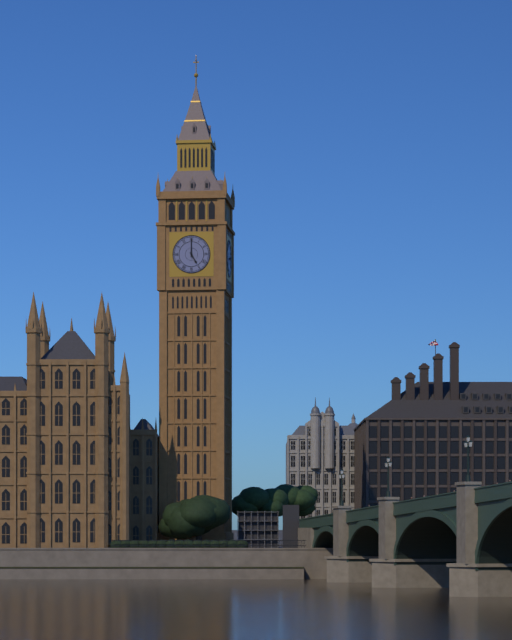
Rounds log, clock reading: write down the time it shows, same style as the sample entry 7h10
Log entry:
5h00
